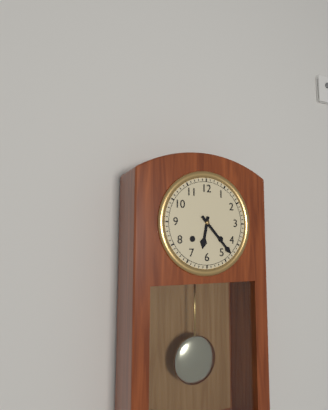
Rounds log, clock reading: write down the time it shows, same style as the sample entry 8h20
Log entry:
6h23
